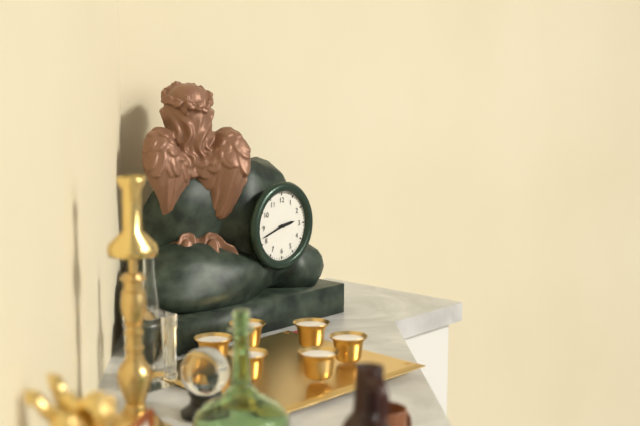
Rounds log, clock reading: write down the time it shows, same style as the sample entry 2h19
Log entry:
2h42
